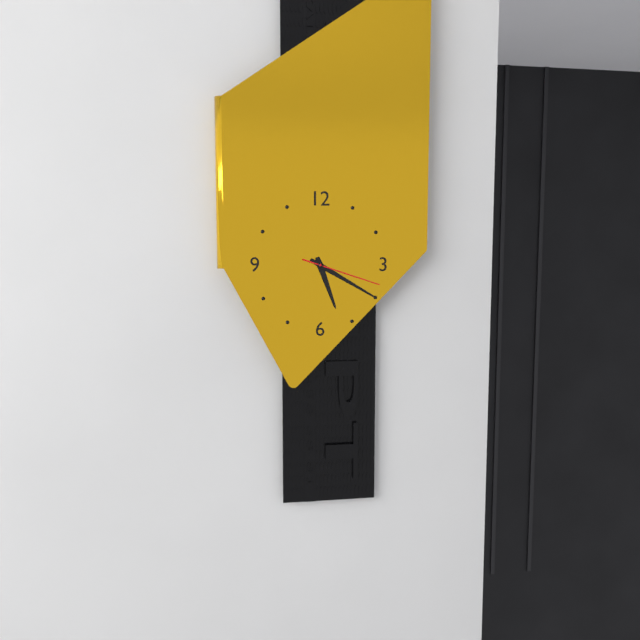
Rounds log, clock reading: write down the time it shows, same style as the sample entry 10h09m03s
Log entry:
5h20m18s
